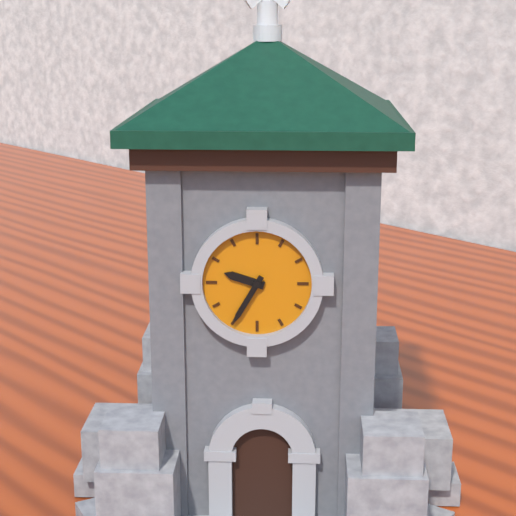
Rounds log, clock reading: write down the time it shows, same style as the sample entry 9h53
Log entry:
9h35
